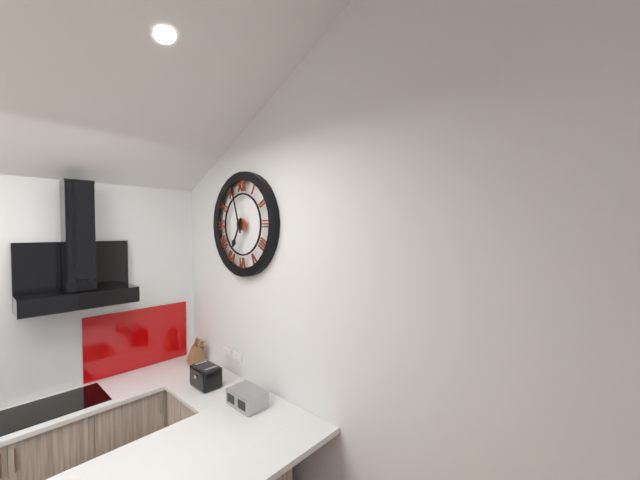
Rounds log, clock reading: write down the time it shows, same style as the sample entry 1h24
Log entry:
6h57
